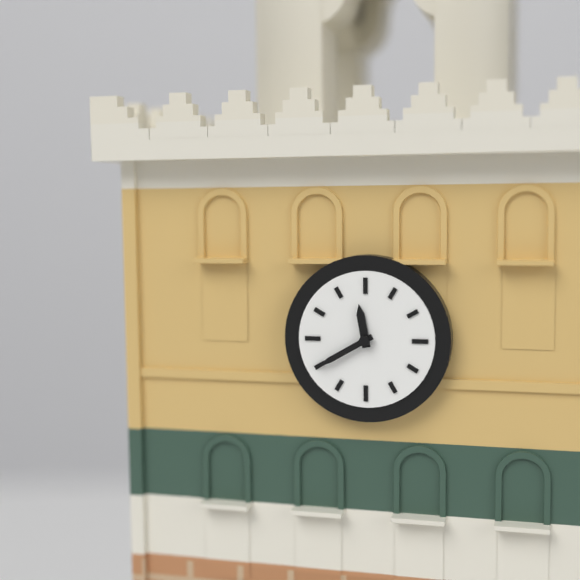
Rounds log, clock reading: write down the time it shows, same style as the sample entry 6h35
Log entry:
11h40
